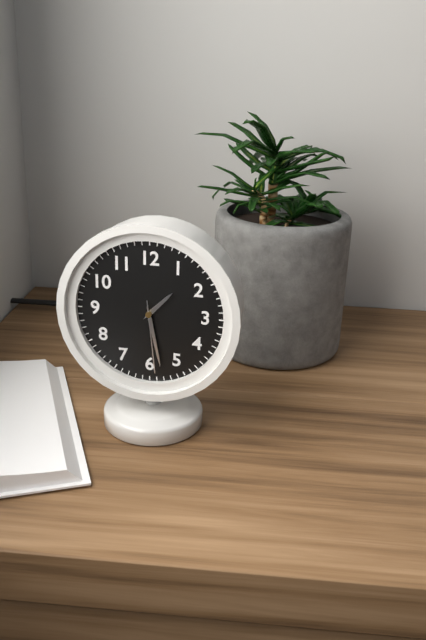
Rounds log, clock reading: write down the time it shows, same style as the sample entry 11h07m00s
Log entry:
1h28m29s
